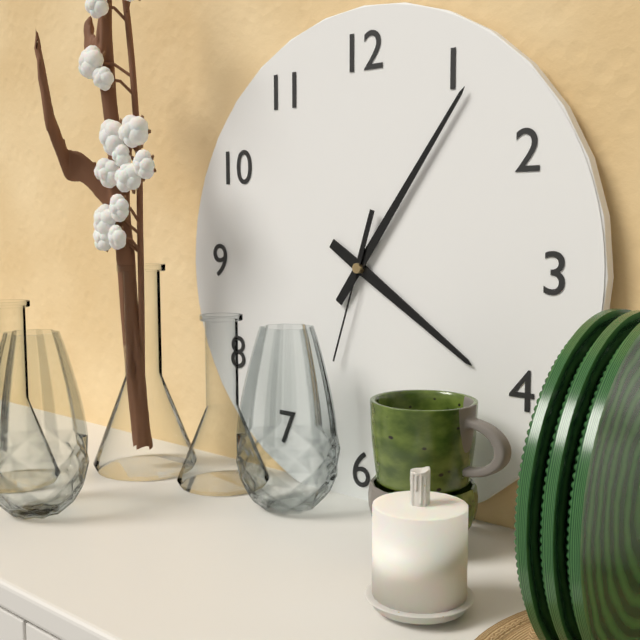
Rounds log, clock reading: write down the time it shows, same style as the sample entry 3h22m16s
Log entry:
4h06m33s
